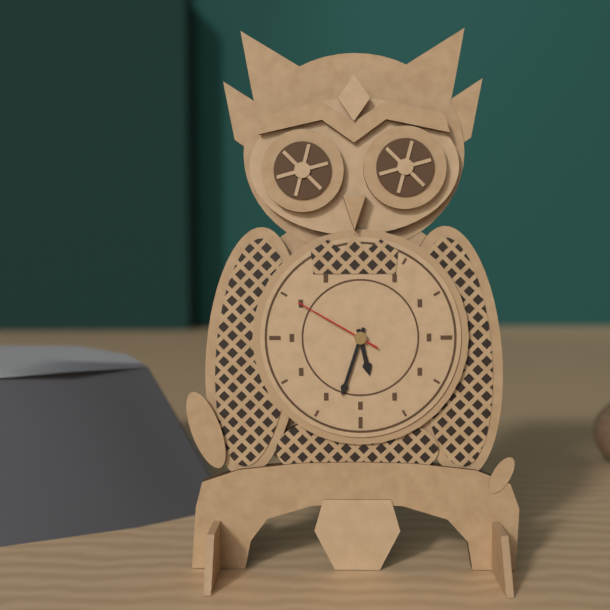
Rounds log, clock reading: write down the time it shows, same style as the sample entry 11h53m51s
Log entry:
5h33m50s
